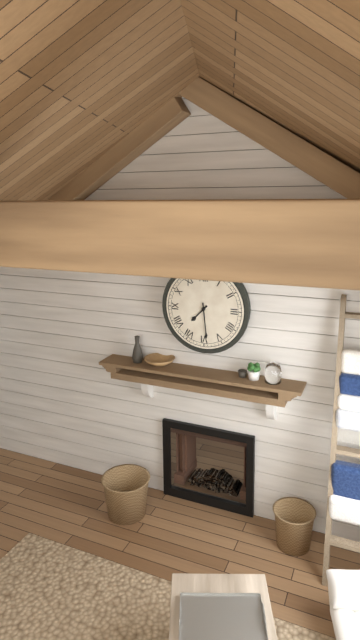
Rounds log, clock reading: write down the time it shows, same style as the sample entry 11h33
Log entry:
7h29
